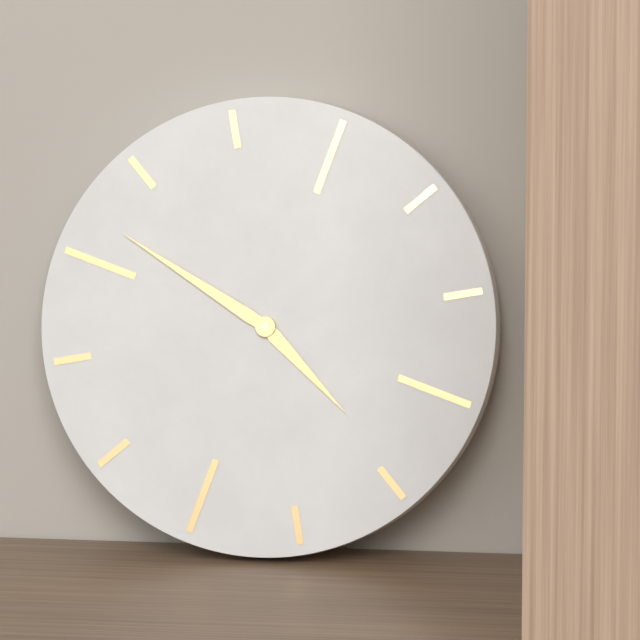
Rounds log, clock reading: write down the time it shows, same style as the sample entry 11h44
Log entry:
4h52
